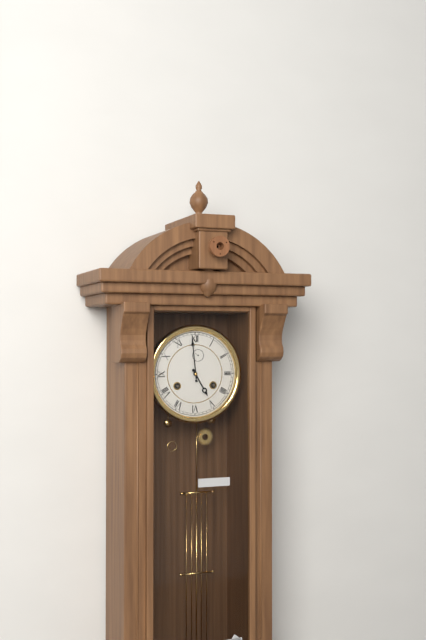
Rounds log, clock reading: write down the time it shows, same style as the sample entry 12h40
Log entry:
4h59
